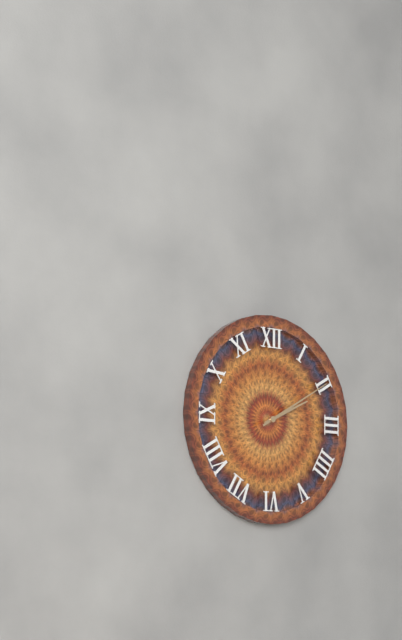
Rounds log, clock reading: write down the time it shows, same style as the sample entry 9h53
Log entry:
2h10
